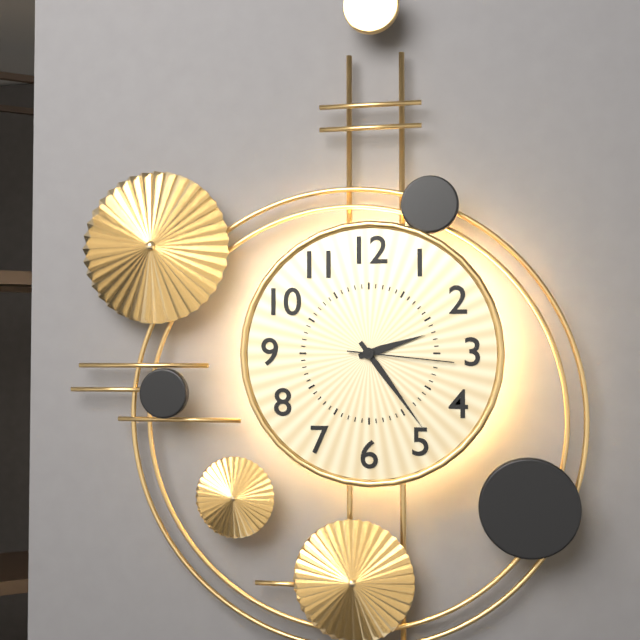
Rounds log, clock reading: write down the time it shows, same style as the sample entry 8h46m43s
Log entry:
2h24m16s
